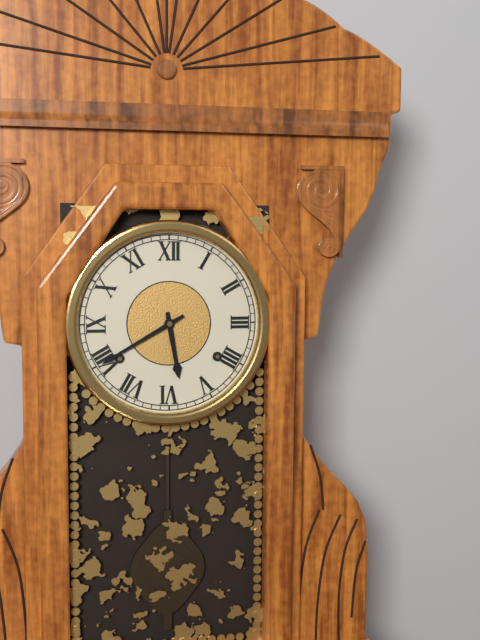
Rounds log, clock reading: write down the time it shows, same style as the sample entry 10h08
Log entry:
5h40
